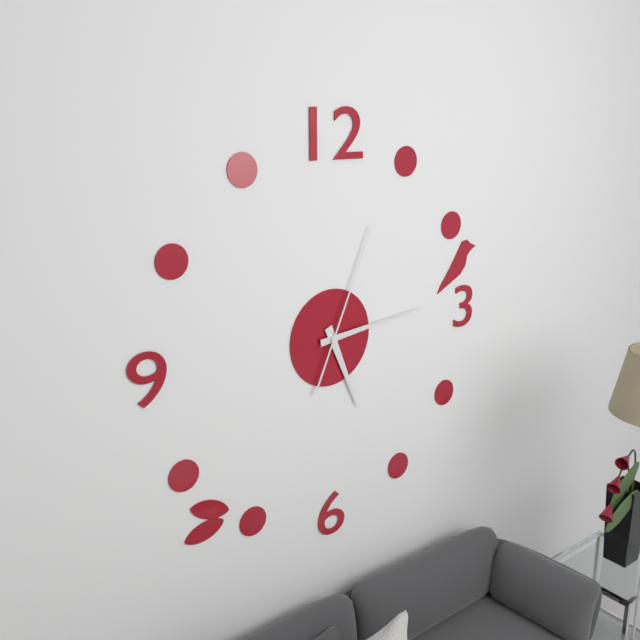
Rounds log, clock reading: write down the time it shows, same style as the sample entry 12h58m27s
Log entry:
5h14m04s
